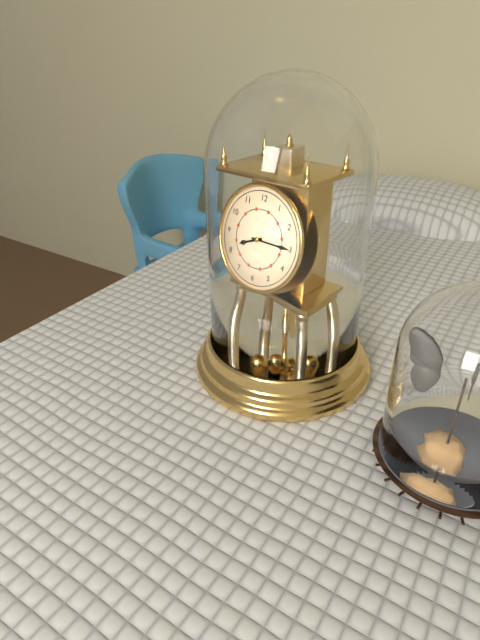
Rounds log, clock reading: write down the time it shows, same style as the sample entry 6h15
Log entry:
8h15
